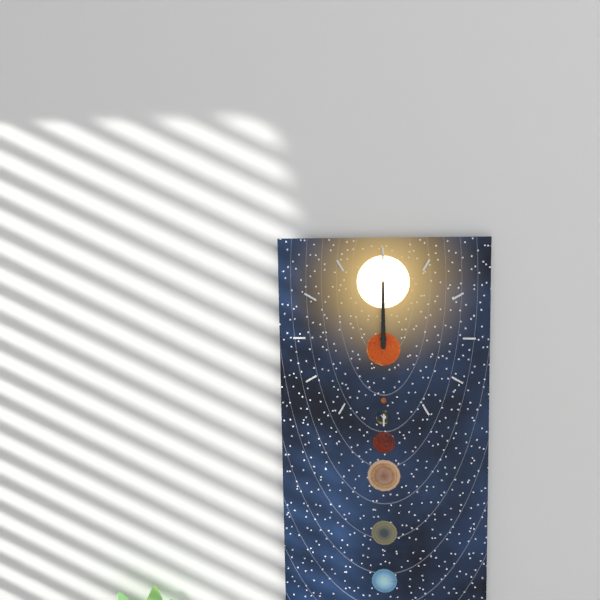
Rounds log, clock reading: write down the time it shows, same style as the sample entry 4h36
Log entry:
12h00
